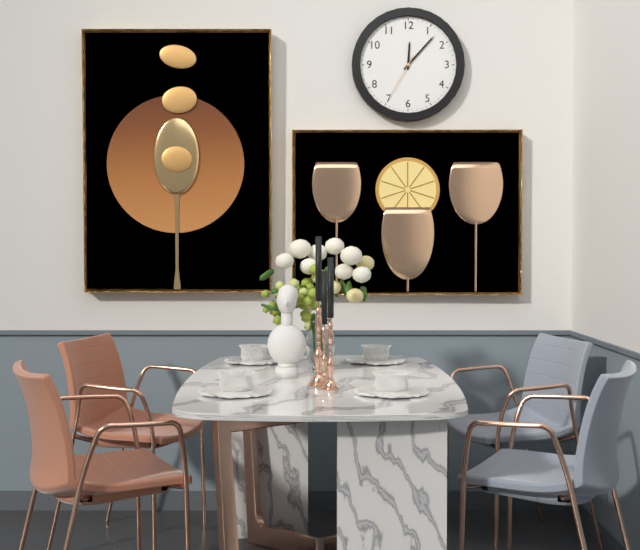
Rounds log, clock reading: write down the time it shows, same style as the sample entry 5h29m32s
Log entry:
12h07m35s
